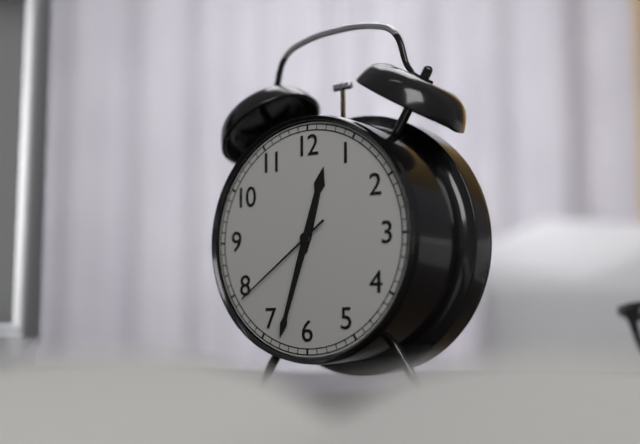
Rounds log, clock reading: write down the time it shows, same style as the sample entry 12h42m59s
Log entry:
12h33m39s
